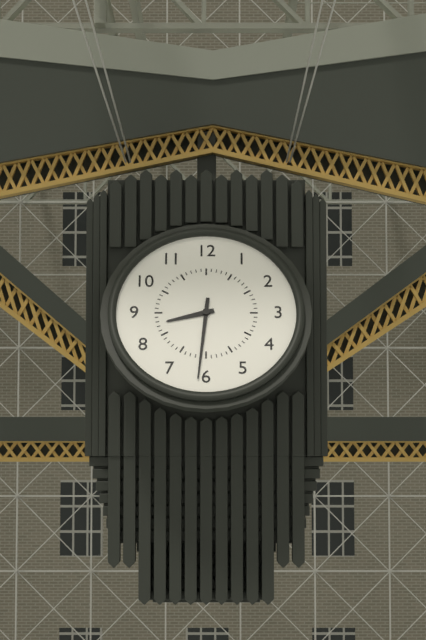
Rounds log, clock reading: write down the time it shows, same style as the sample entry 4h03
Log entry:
8h31
